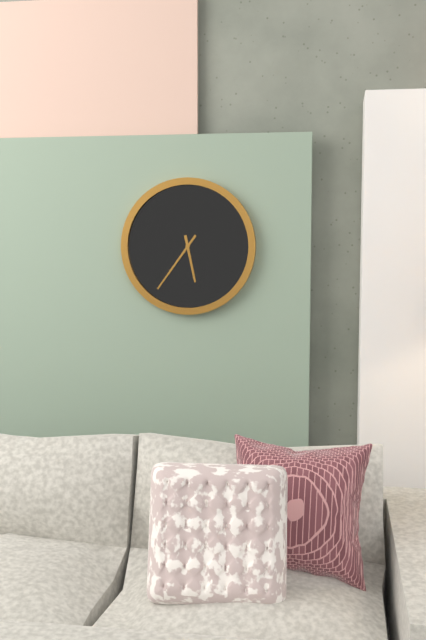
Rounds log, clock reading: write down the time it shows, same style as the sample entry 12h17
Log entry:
5h36
